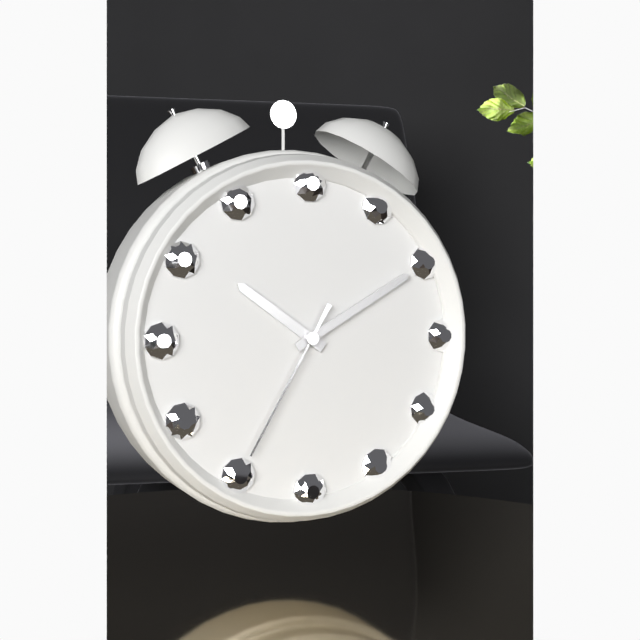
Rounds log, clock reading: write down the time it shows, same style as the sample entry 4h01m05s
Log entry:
10h10m35s
